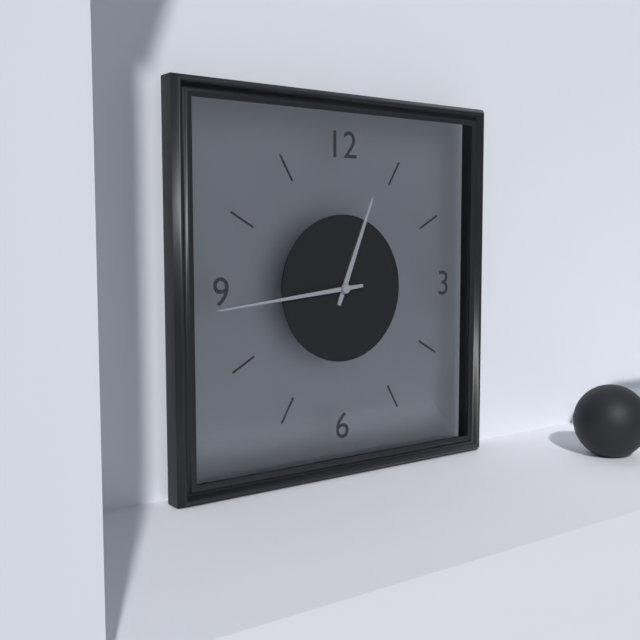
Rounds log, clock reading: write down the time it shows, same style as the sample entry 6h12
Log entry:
12h44
